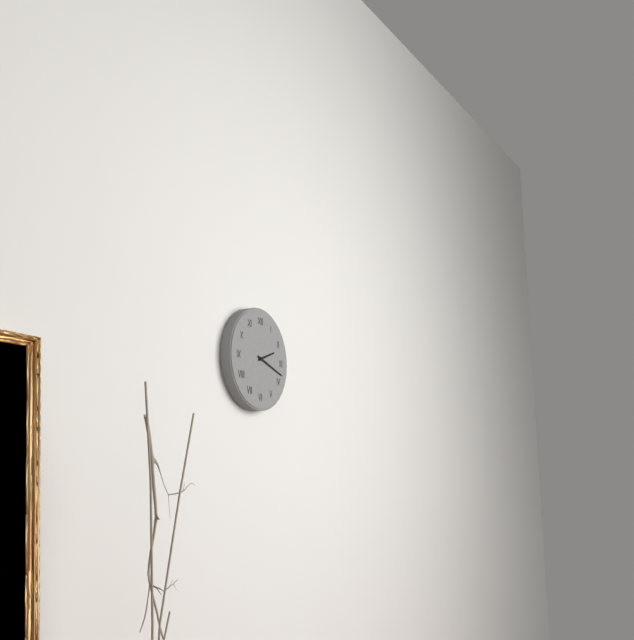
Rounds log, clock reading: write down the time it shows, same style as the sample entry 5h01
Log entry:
2h18
